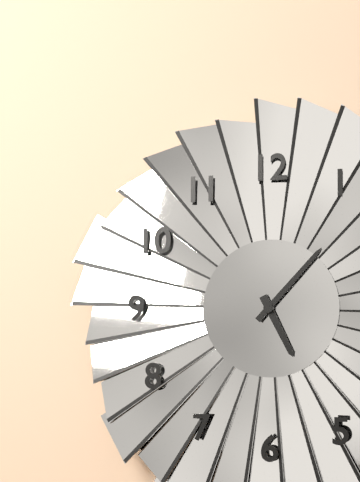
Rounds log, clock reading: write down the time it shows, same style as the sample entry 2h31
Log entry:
5h07
